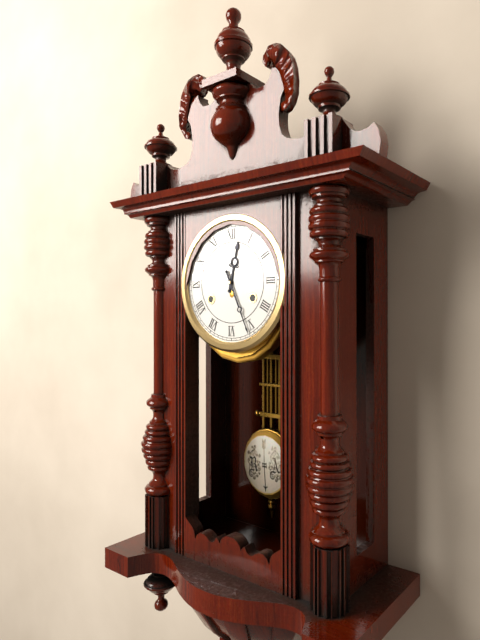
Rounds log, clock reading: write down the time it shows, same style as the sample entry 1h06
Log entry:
12h26
